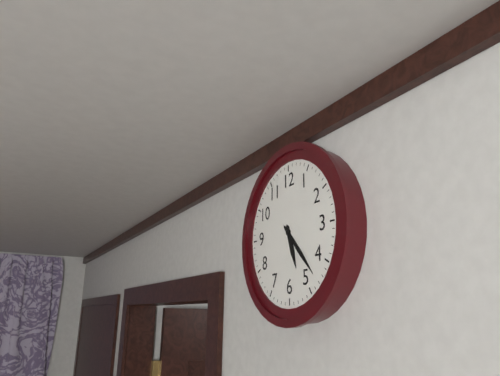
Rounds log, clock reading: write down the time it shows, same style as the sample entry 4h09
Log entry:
5h23
